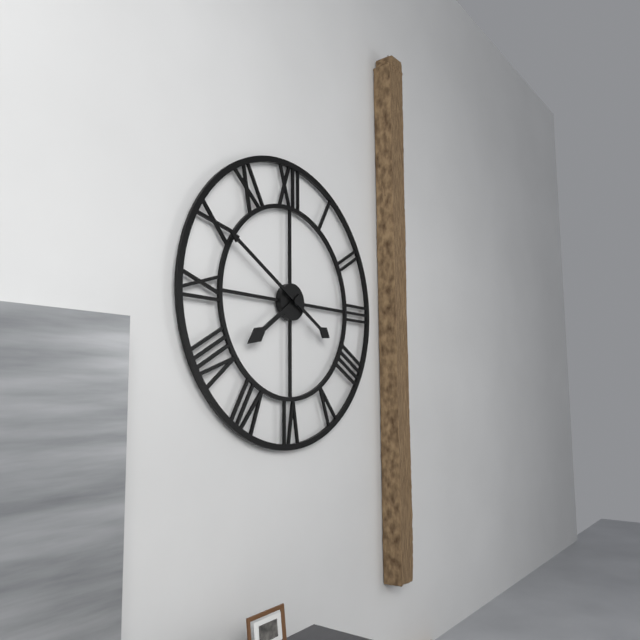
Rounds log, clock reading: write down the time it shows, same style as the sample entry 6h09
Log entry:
7h50
